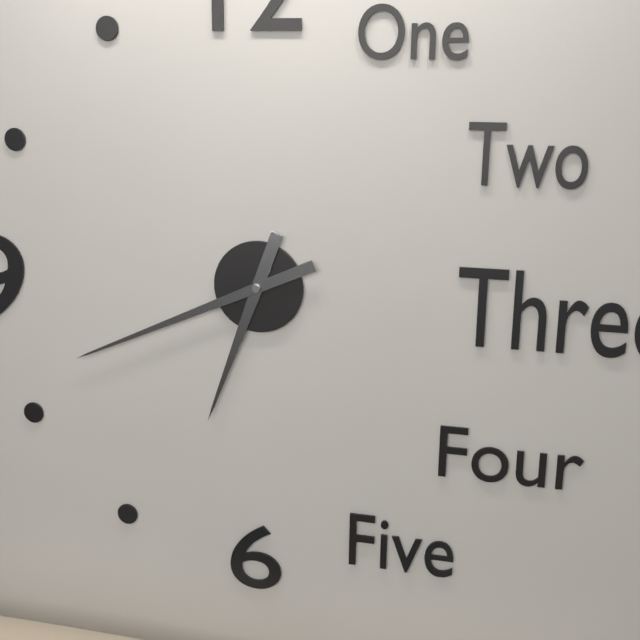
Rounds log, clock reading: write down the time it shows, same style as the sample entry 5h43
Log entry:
6h41
